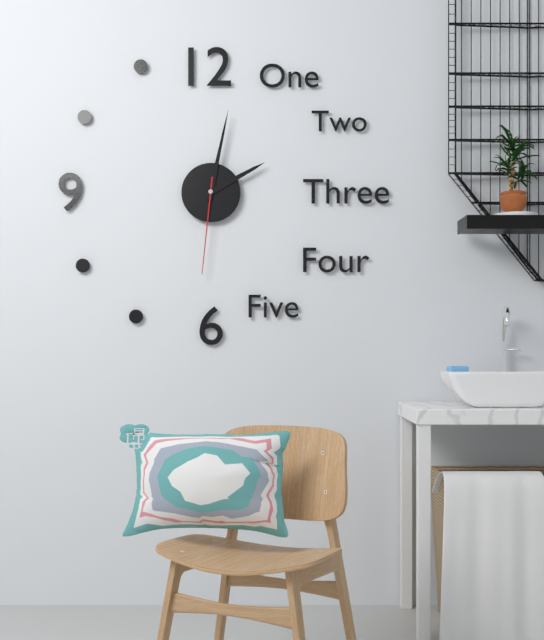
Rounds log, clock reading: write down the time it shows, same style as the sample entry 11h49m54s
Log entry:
2h02m31s
